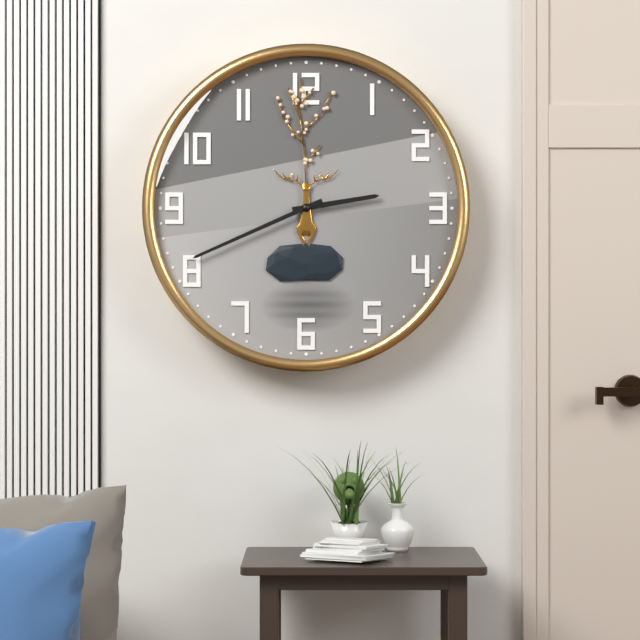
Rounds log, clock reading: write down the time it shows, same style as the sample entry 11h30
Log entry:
2h41
